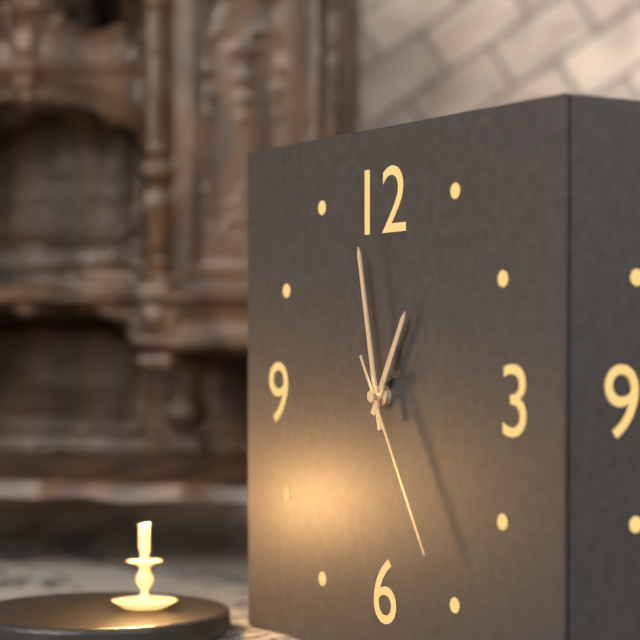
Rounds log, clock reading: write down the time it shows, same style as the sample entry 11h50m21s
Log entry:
12h58m25s
